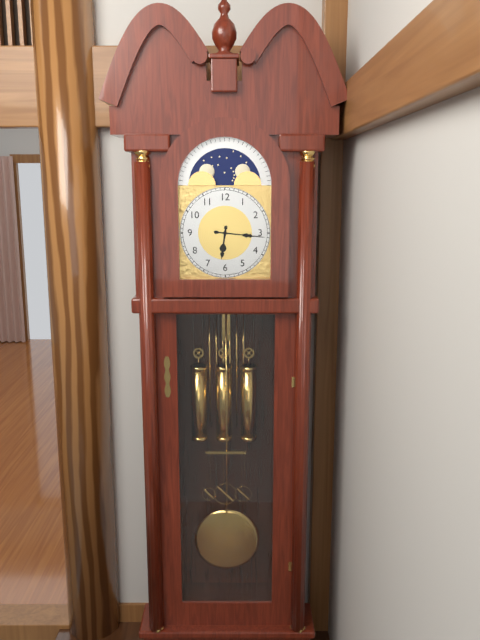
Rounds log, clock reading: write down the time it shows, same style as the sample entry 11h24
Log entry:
6h16
